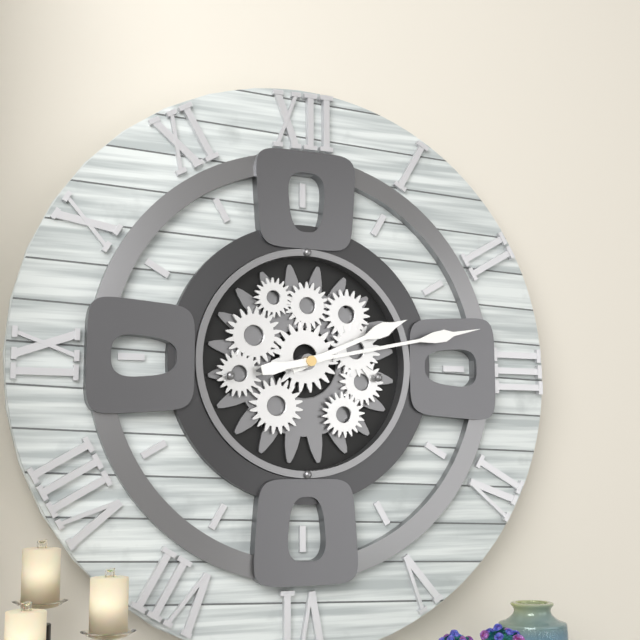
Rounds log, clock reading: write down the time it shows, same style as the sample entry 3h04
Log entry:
2h13
